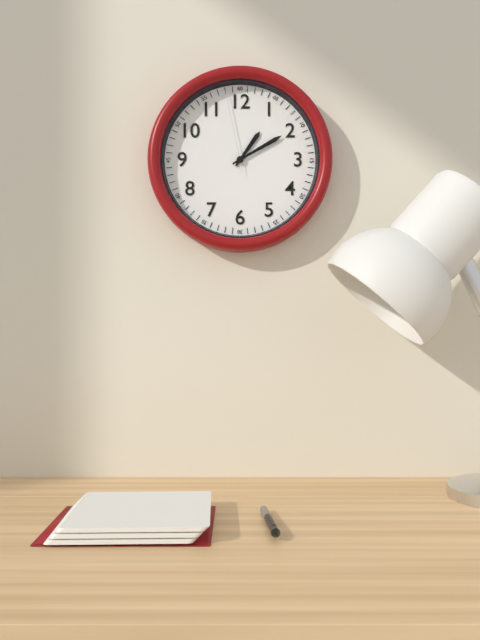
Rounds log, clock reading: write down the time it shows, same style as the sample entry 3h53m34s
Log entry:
1h10m58s
